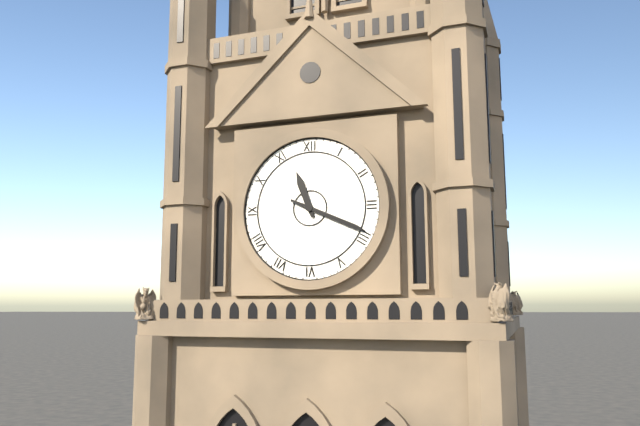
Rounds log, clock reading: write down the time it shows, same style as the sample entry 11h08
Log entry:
11h19
